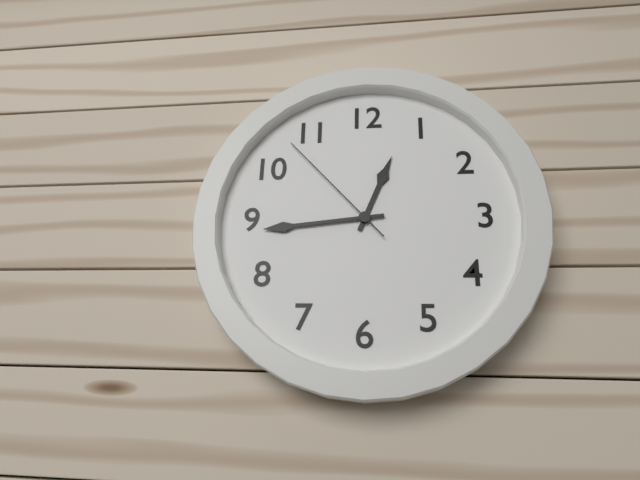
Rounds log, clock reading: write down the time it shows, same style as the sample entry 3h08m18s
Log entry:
12h44m53s
